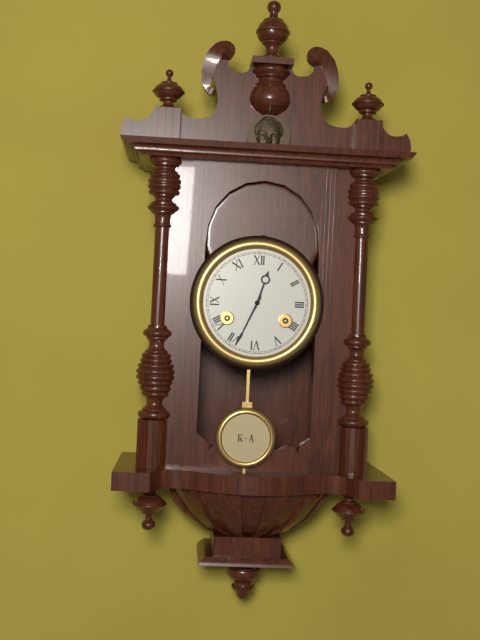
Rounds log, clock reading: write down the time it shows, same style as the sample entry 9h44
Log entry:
12h34
